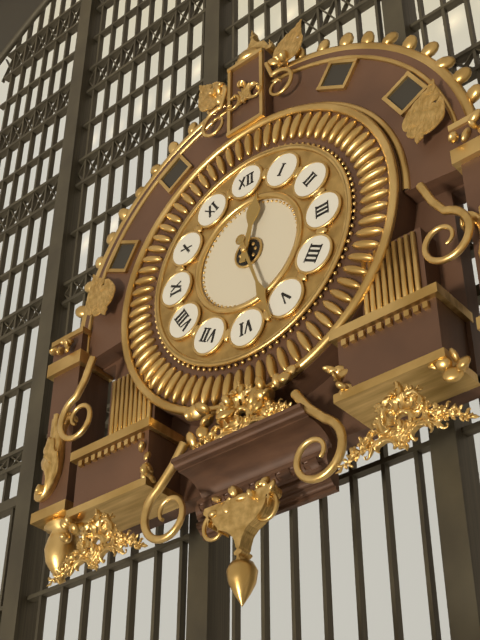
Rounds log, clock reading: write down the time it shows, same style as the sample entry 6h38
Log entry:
12h27
